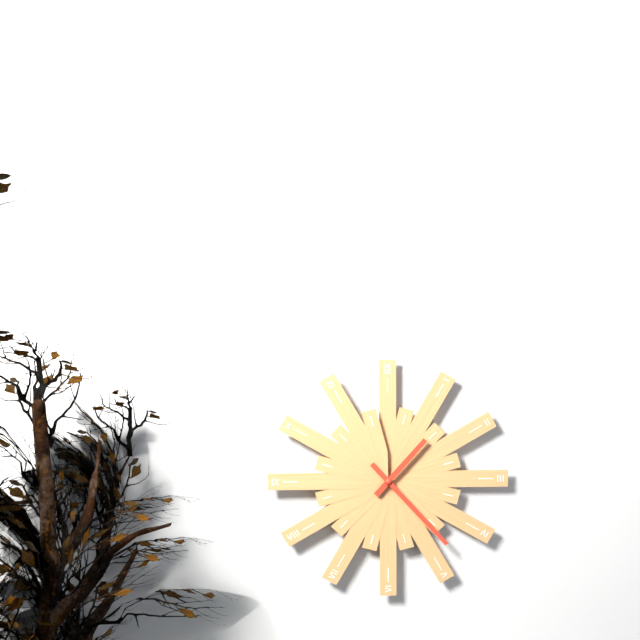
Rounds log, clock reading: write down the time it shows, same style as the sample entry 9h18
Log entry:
1h23
